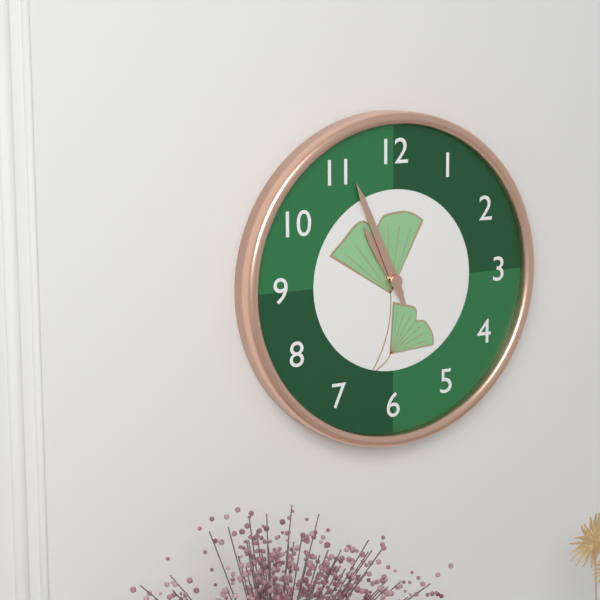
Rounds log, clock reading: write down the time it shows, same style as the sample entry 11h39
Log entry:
10h56
